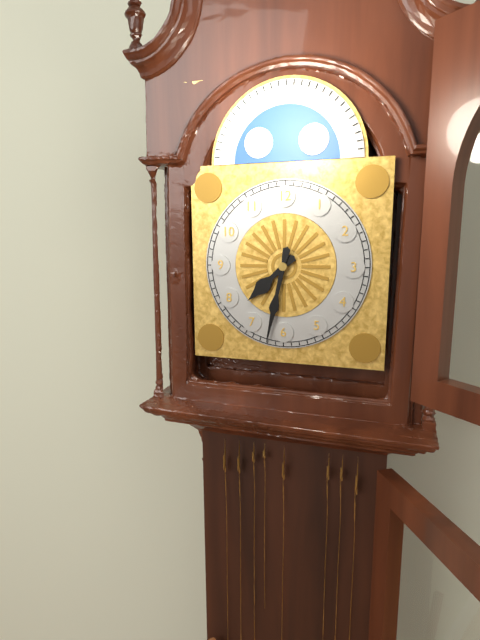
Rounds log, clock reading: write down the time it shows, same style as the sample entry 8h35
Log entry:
7h32
